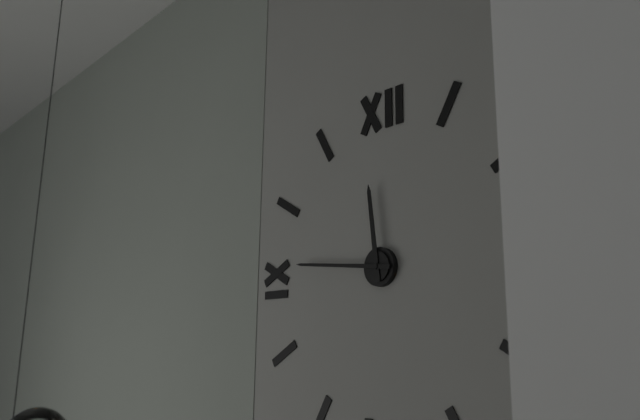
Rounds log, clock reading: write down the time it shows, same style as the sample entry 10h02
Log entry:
11h46
